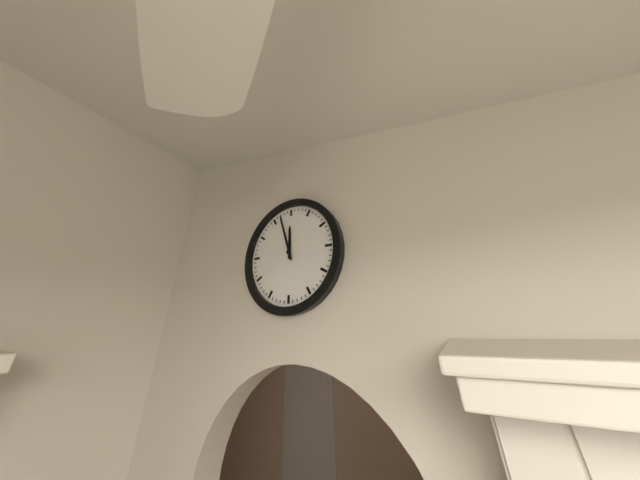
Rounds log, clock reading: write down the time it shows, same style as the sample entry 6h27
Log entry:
11h57
